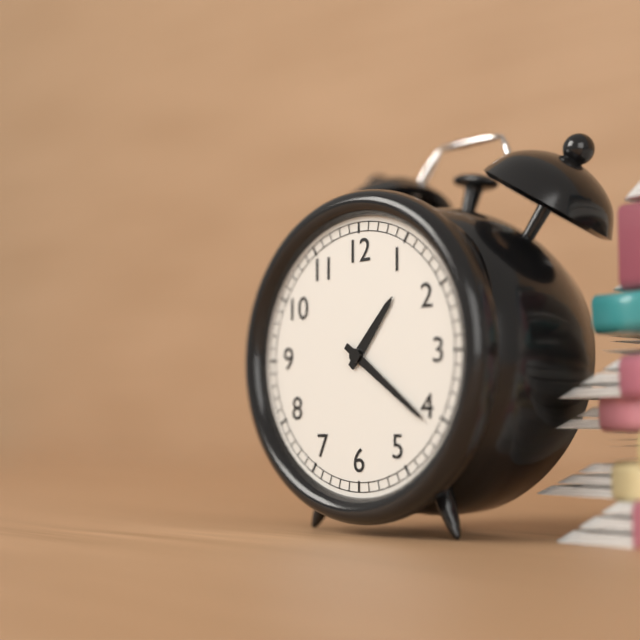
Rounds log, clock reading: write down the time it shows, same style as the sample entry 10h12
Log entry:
1h21
